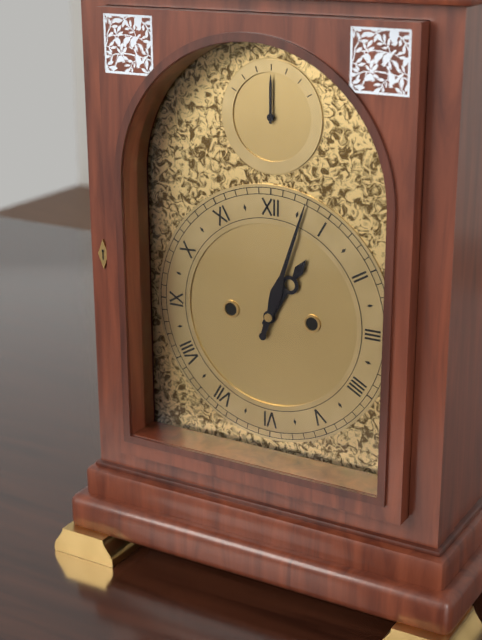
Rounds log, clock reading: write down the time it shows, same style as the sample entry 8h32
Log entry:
1h03
